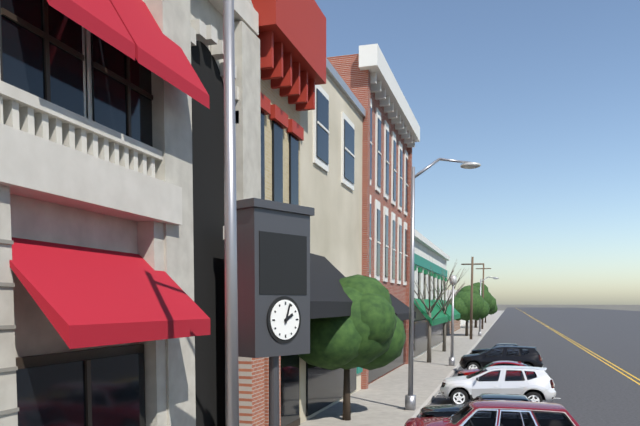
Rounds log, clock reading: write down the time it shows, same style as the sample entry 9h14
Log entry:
2h03
